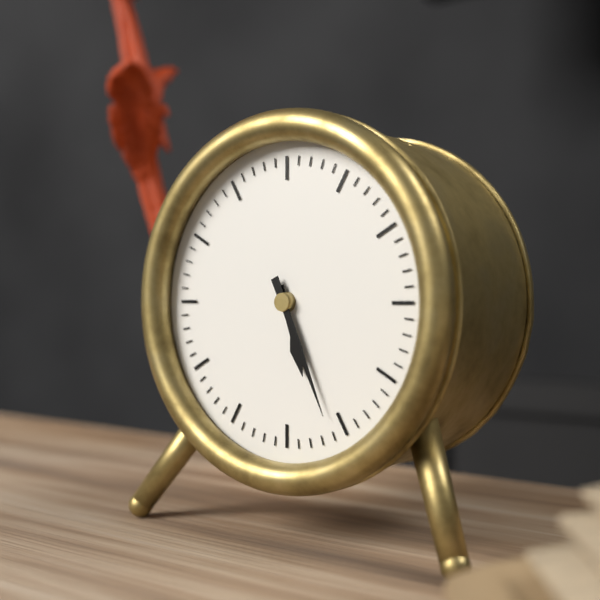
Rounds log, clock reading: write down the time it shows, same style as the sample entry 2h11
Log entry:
5h26
